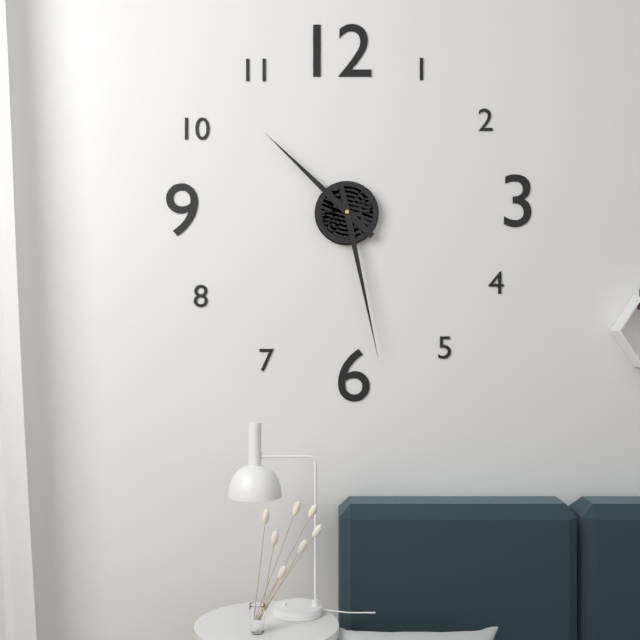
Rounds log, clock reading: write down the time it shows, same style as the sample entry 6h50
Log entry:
10h28
